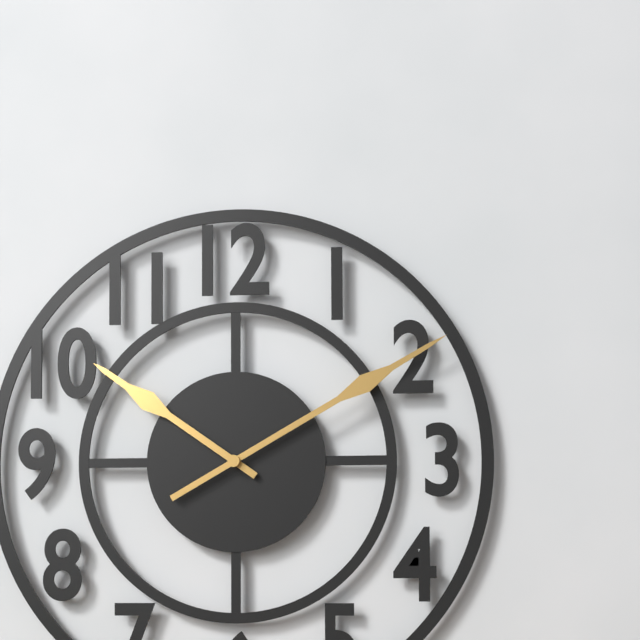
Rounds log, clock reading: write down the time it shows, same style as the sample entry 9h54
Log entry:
10h10
